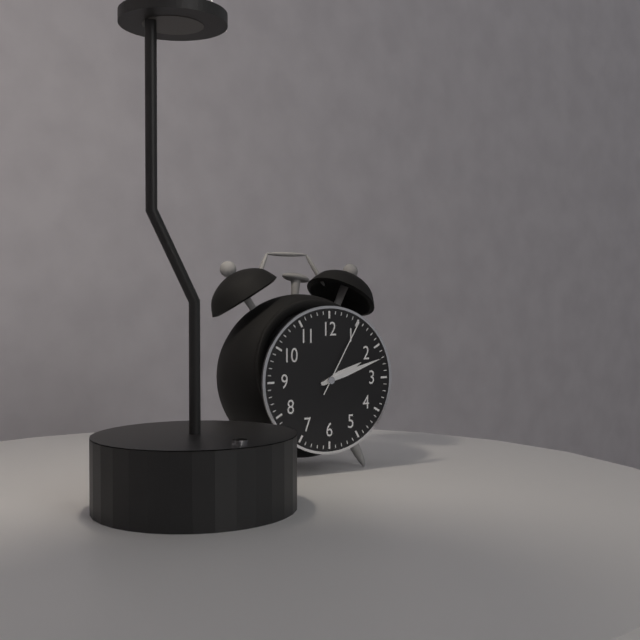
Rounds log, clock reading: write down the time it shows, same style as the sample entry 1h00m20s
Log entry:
2h12m05s
